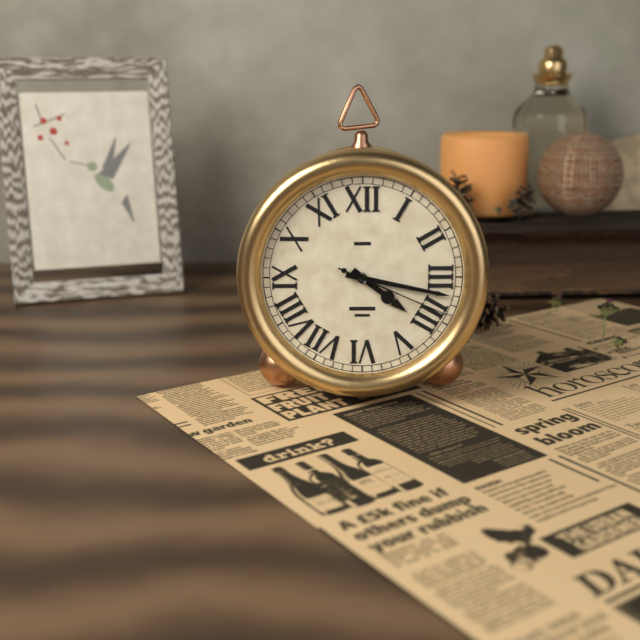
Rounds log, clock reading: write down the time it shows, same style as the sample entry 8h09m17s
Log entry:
4h17m19s
